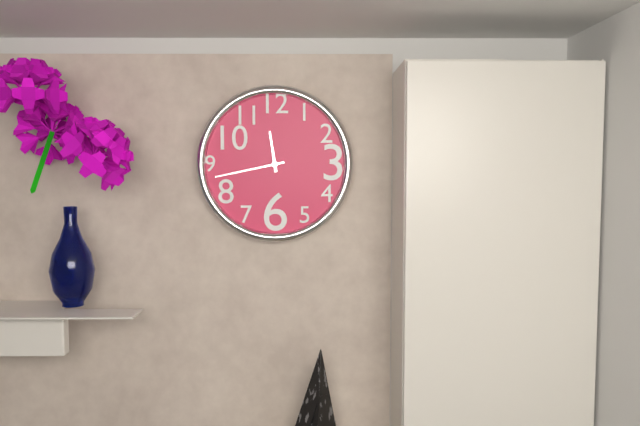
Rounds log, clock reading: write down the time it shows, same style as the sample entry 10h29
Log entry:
11h43
